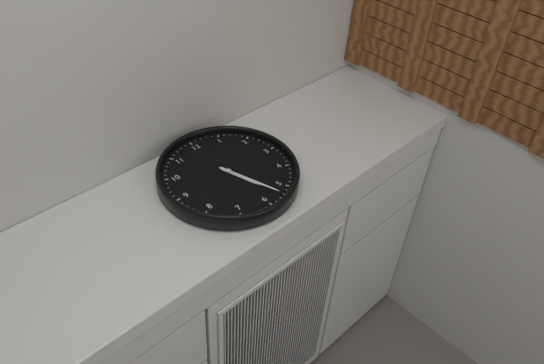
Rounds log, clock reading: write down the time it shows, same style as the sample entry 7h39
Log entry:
5h27
